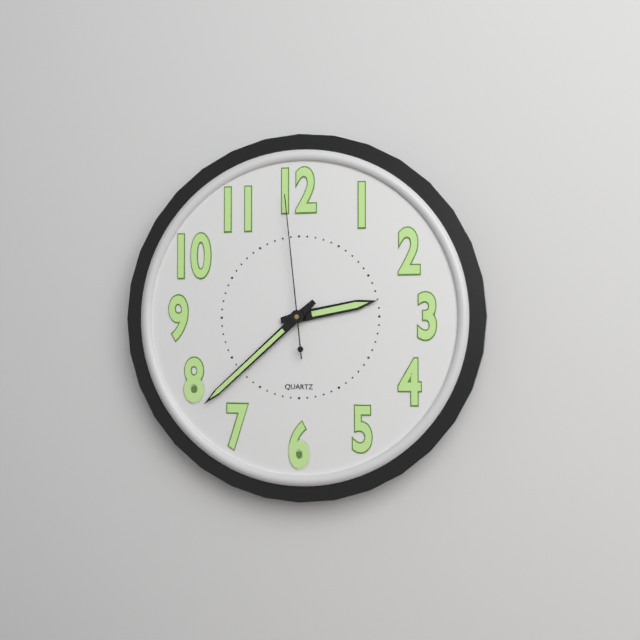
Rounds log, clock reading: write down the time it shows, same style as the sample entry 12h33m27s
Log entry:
2h38m59s
